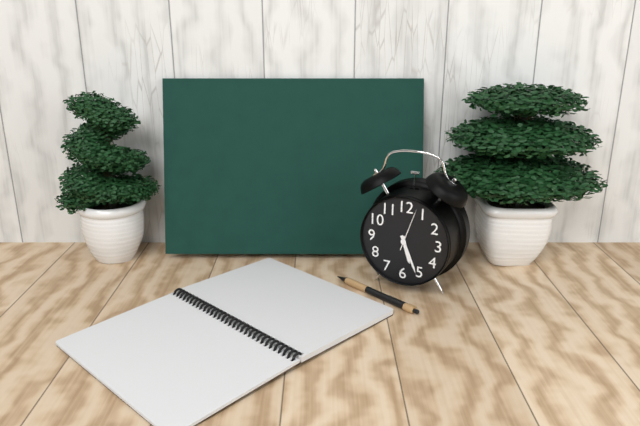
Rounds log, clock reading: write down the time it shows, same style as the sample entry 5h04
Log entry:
5h26
